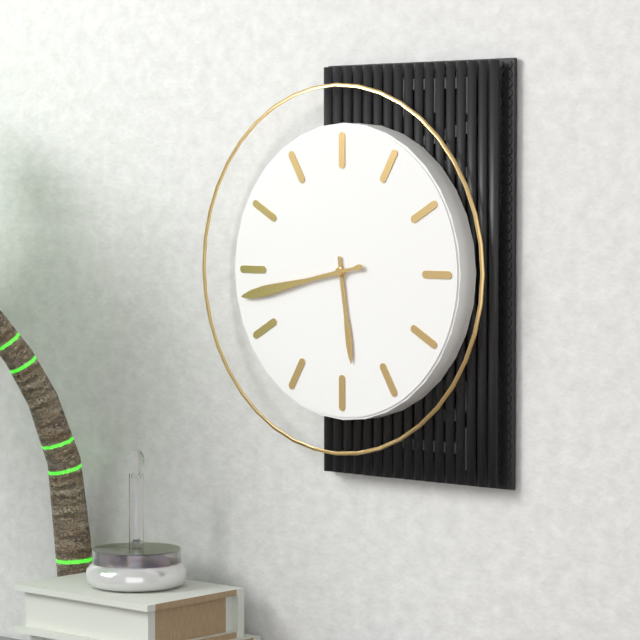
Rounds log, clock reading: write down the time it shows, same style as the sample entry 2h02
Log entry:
5h43
